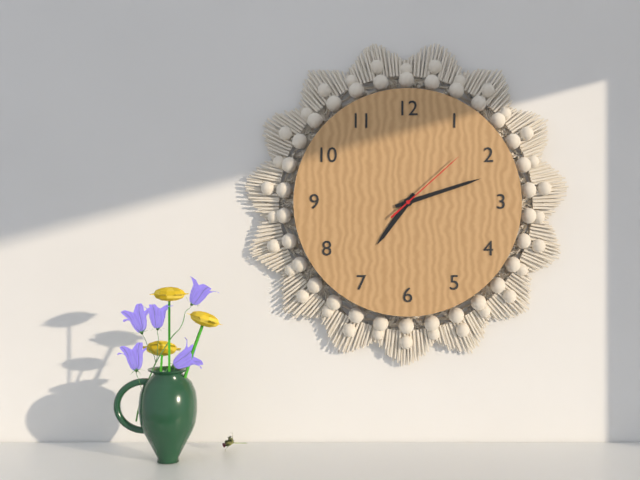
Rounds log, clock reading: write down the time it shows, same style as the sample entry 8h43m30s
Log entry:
7h12m08s
